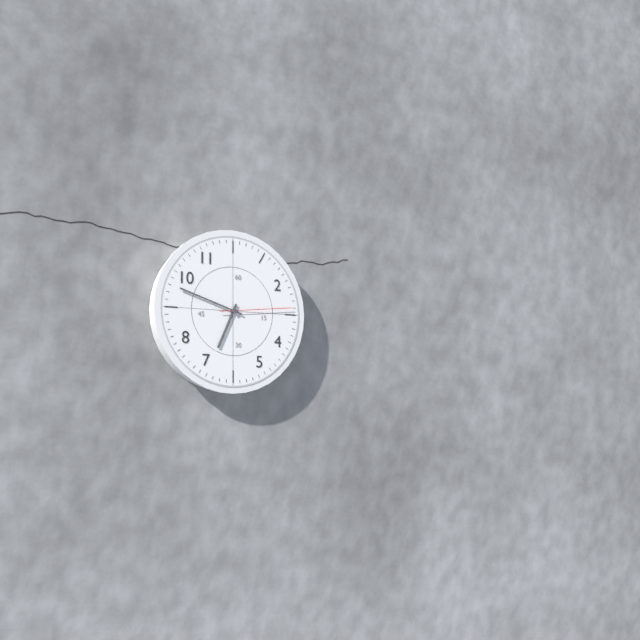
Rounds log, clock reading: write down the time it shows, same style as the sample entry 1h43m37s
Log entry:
6h48m14s
